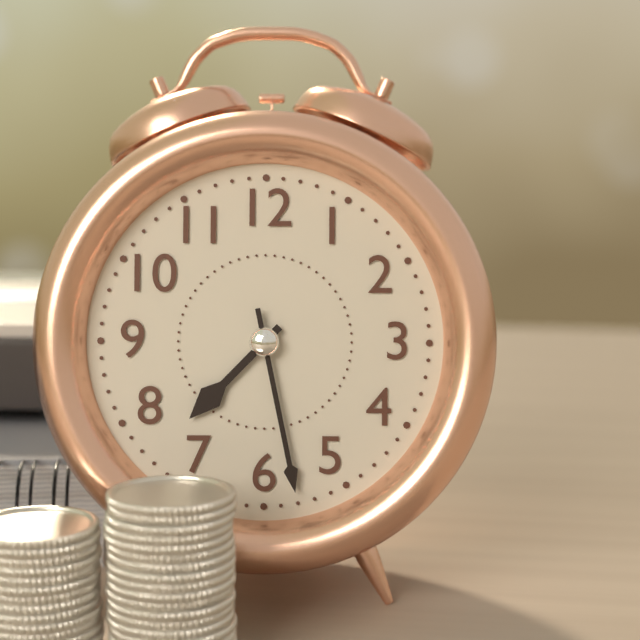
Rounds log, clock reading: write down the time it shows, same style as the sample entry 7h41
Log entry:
7h28
